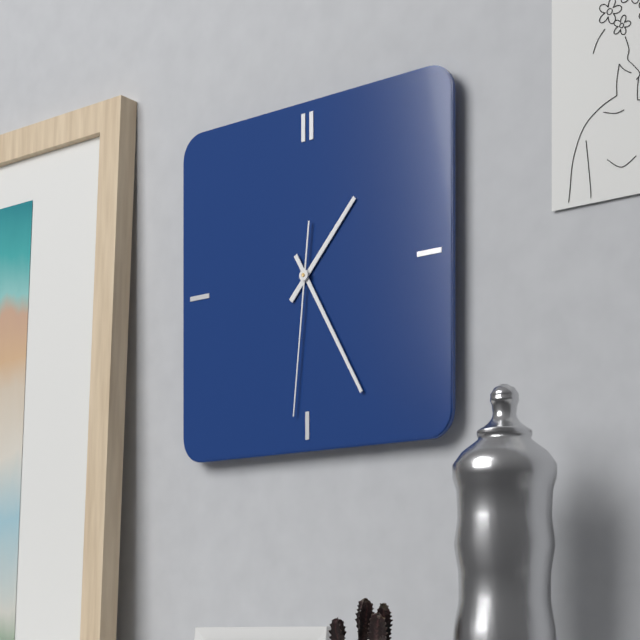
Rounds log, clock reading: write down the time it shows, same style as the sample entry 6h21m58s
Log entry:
1h25m31s
